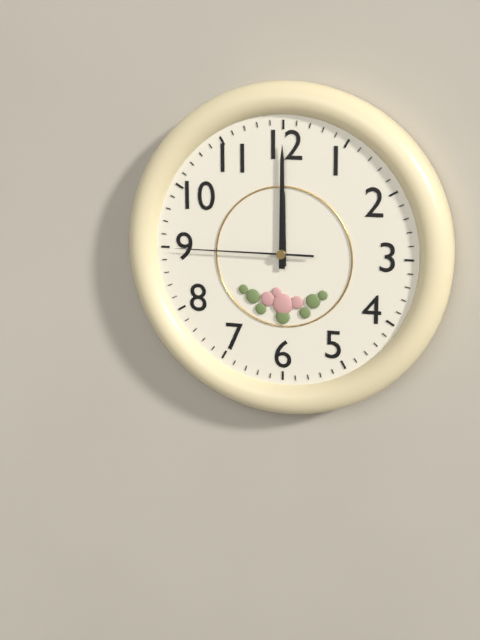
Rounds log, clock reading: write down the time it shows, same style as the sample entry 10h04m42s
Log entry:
12h00m45s
